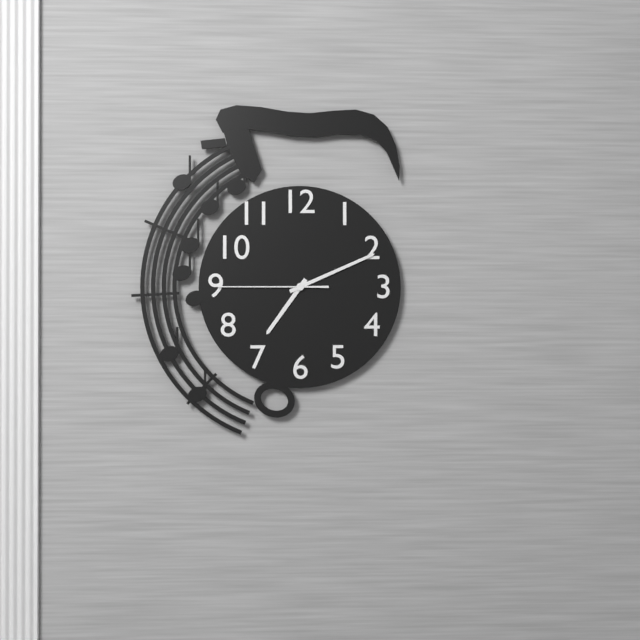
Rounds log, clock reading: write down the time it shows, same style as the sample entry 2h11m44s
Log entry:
7h11m45s
